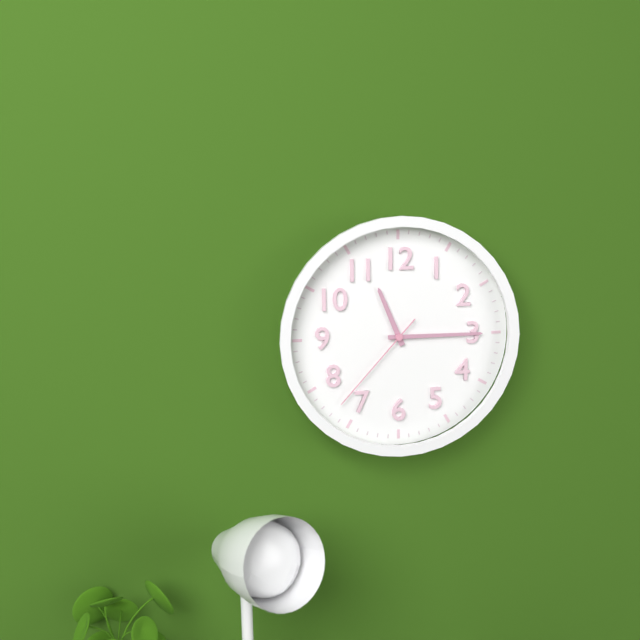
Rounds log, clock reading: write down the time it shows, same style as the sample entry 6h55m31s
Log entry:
11h15m37s
